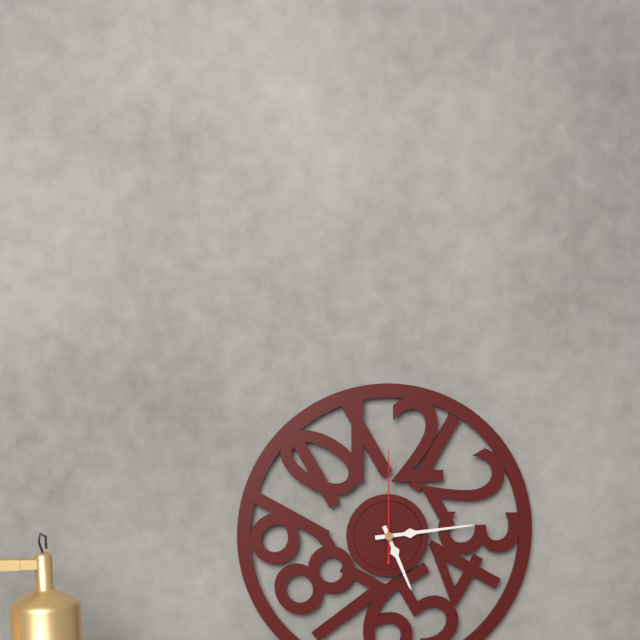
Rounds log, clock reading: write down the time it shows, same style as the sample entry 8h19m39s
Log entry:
5h14m00s
